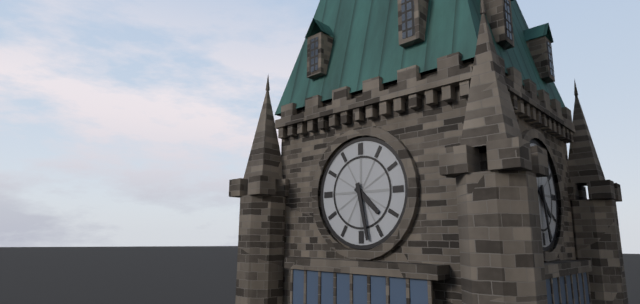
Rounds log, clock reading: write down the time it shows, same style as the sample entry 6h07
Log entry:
4h28
